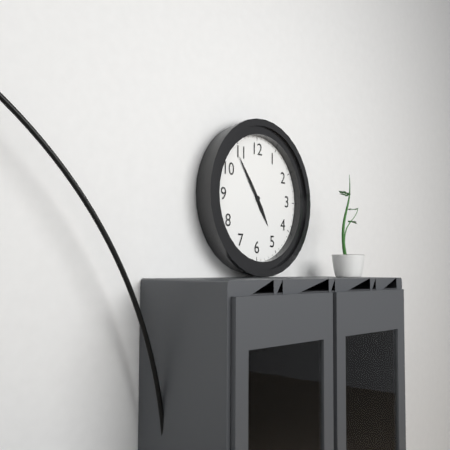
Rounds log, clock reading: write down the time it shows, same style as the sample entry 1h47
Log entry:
4h54
